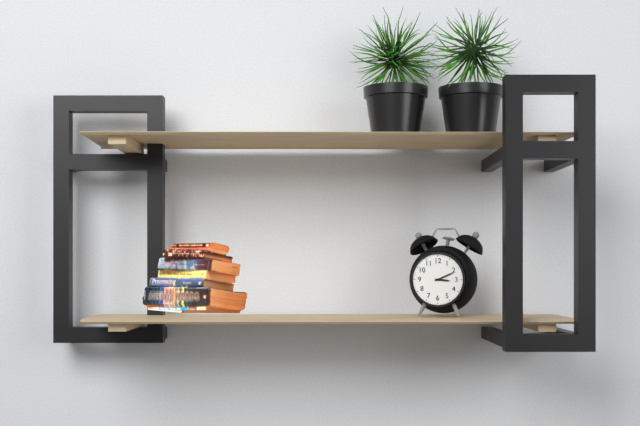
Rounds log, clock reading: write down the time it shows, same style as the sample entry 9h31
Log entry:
3h11
